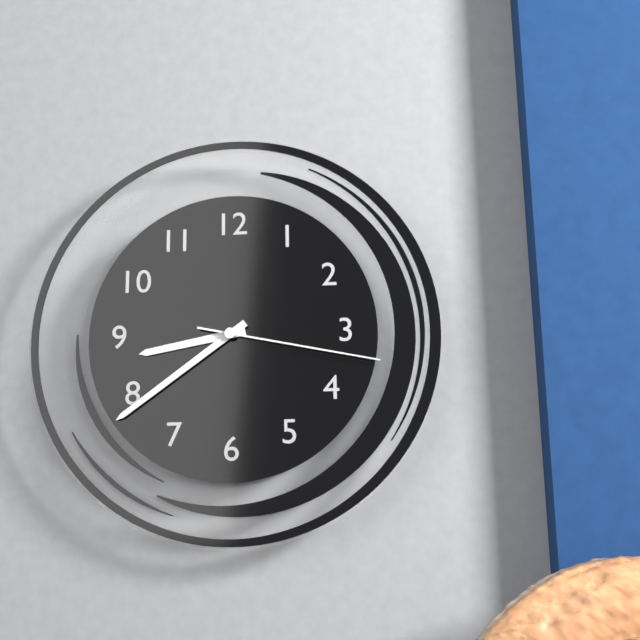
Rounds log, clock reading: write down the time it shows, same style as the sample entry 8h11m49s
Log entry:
8h39m17s
